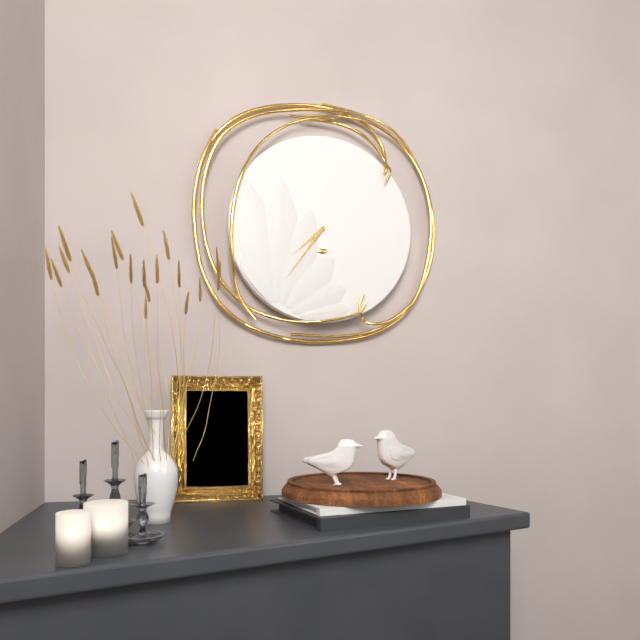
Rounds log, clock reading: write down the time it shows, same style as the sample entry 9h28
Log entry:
7h36
